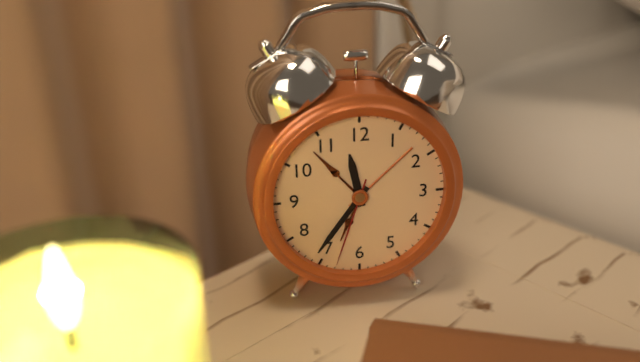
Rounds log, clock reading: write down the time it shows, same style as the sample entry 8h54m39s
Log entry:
11h36m33s
